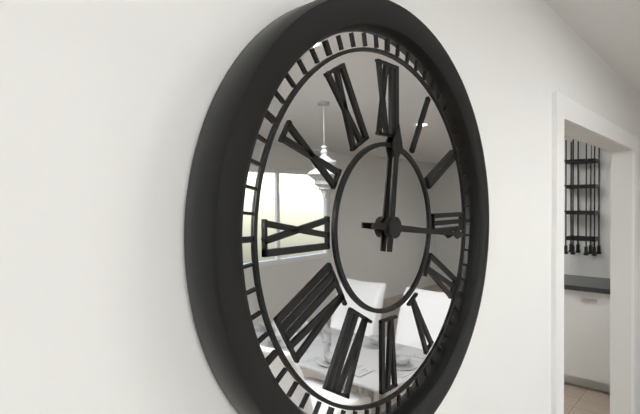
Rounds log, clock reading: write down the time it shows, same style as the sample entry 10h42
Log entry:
12h16
